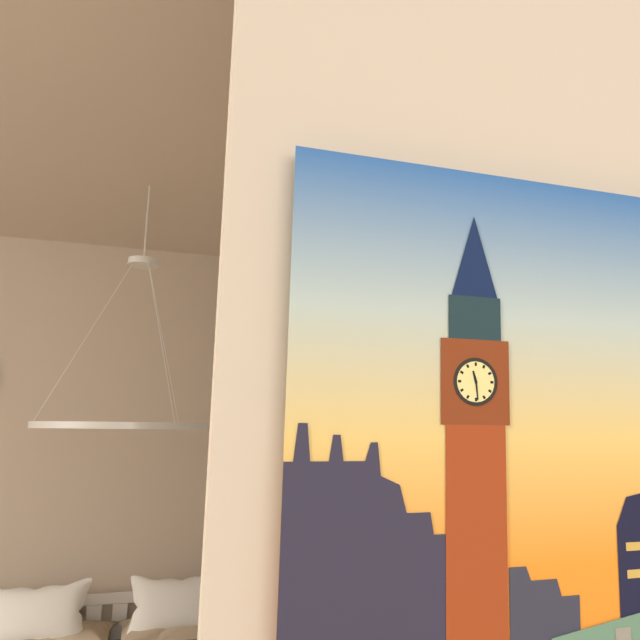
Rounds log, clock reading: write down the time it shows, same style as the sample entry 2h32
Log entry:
11h29
